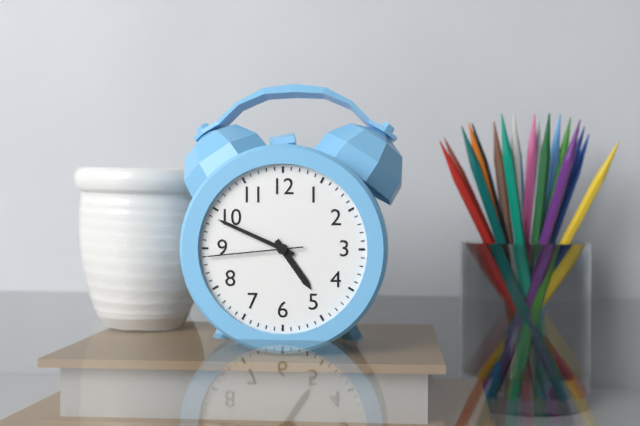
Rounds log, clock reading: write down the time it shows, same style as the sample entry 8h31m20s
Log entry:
4h49m44s
